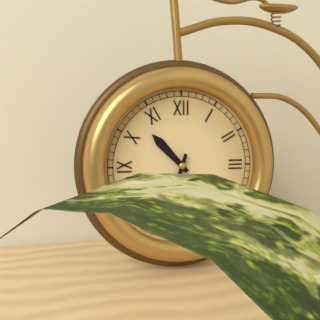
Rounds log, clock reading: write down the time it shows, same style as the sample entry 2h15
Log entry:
10h33
